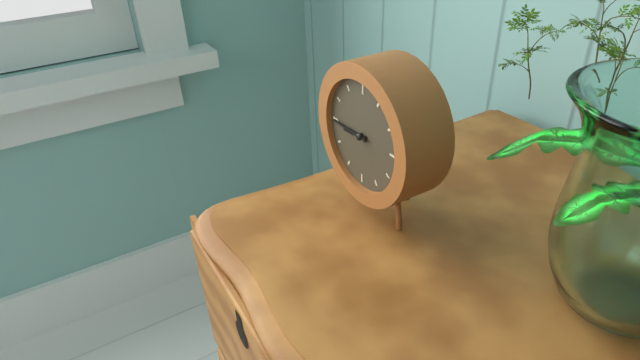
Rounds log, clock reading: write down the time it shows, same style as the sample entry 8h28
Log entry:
8h45
